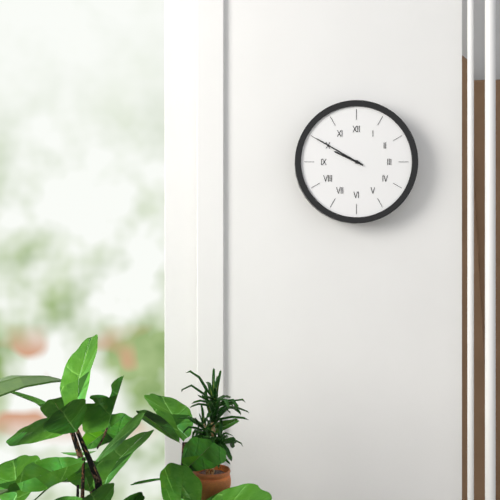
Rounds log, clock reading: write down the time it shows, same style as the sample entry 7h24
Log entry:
9h50
